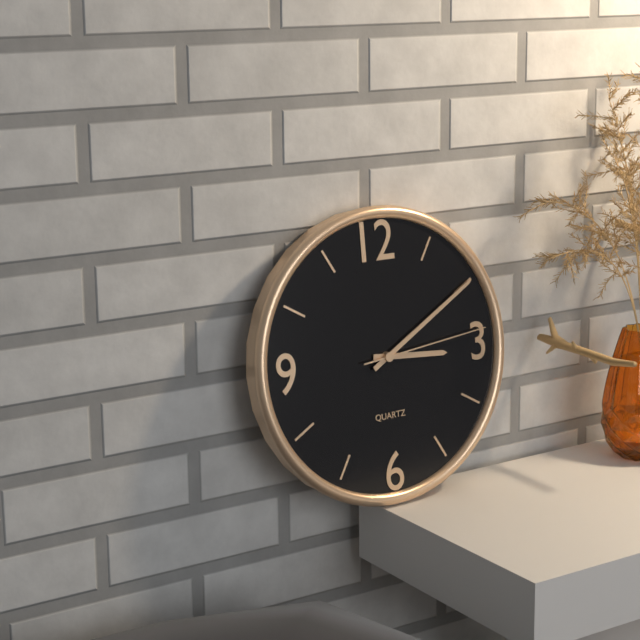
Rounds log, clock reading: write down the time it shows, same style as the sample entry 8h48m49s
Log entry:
3h10m14s
